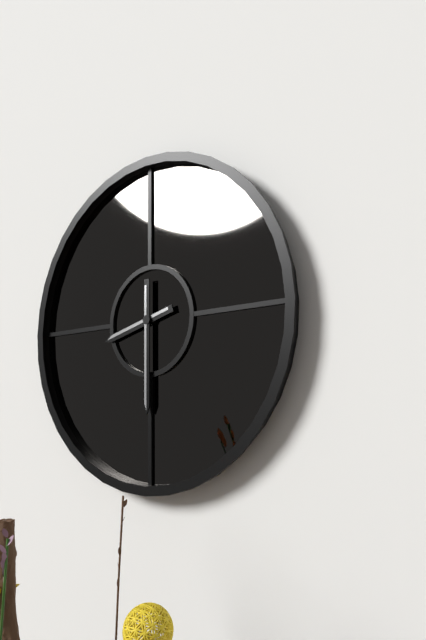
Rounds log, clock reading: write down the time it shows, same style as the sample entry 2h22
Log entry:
8h30
